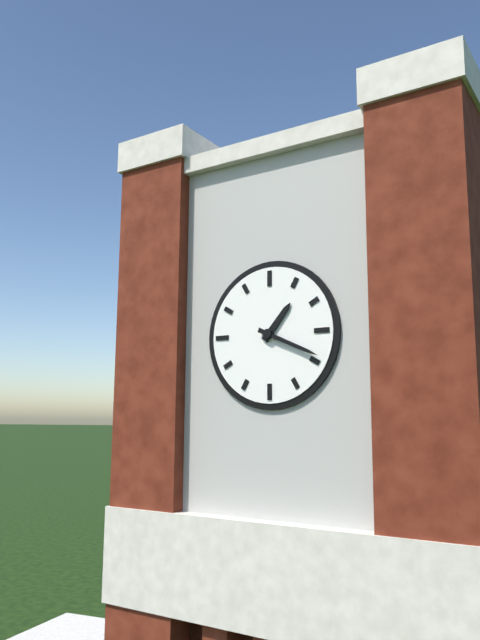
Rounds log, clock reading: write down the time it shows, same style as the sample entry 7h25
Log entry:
1h19
